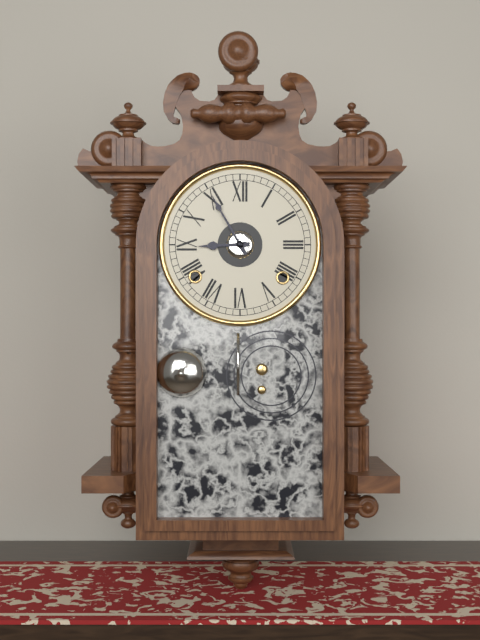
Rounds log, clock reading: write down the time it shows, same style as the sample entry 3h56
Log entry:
8h55
